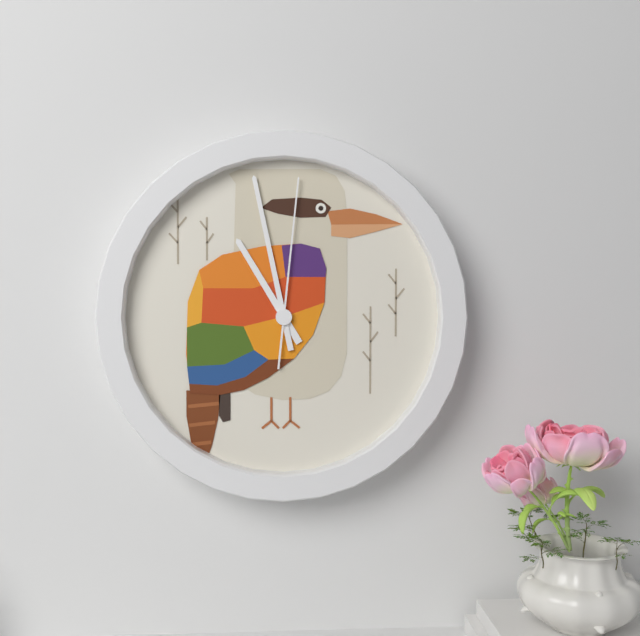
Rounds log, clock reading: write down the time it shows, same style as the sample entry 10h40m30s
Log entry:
10h58m01s
